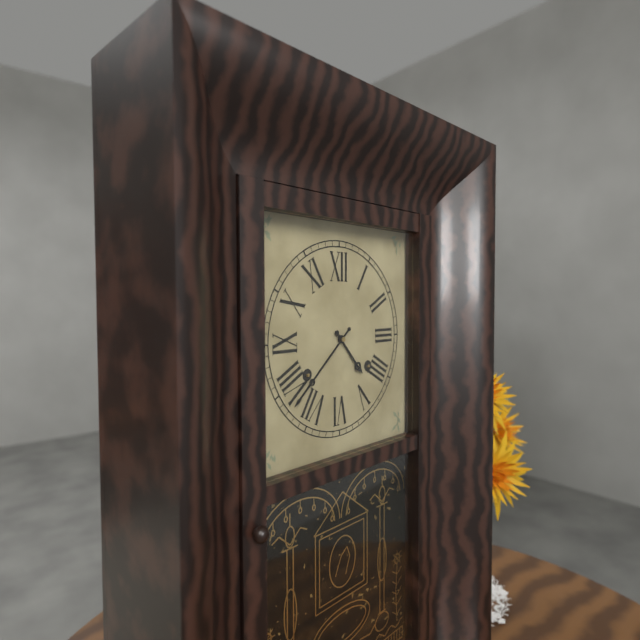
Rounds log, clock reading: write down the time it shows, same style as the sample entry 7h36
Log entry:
4h38
